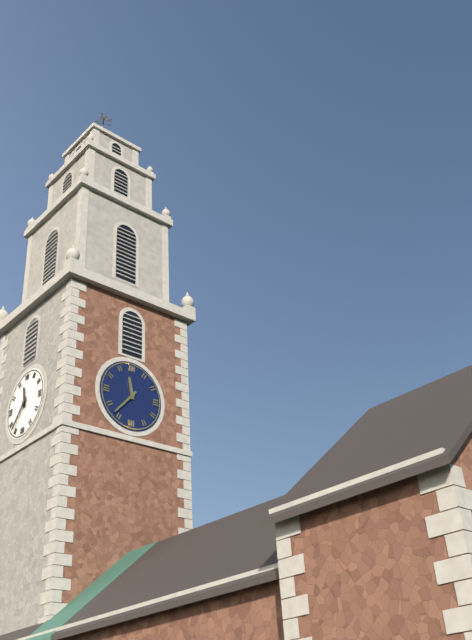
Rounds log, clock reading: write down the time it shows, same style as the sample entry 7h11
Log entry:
11h37
